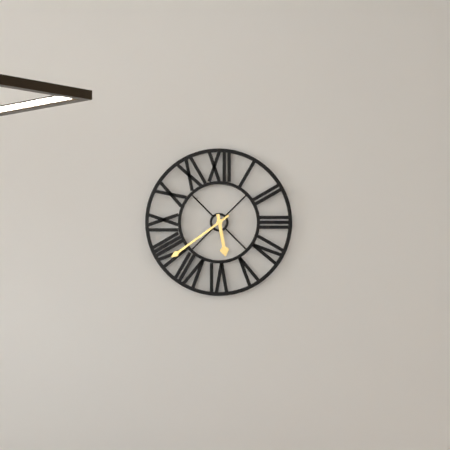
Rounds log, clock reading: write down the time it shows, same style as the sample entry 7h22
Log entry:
5h39
